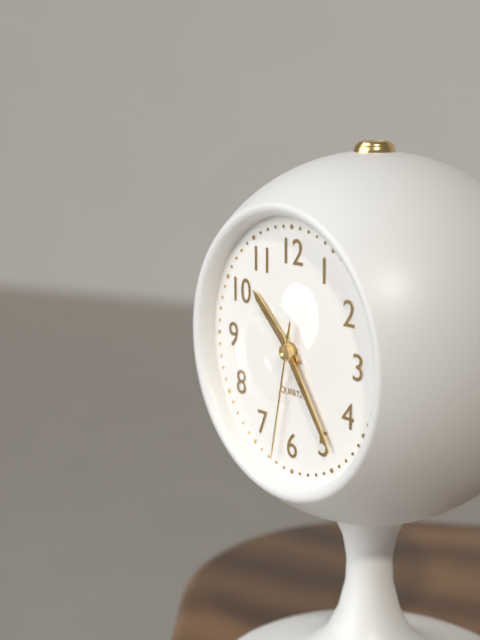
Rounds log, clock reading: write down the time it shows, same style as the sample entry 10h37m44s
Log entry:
10h24m32s
